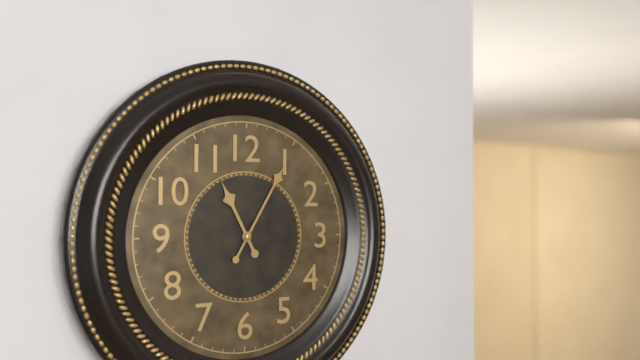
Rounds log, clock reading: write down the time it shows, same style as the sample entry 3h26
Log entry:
11h05
